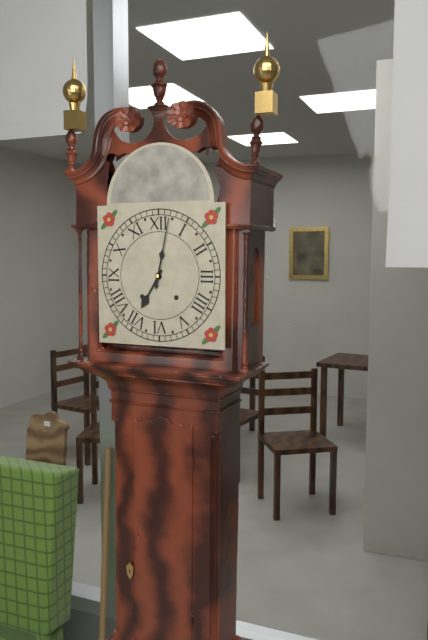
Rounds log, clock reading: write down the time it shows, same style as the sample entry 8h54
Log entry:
7h02
